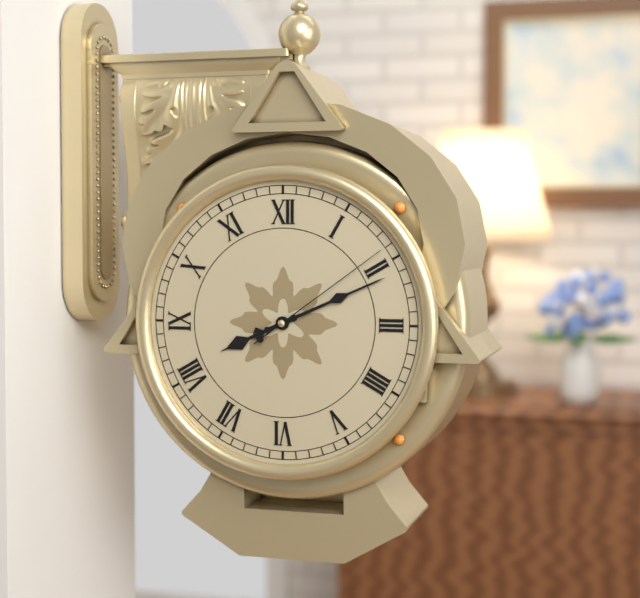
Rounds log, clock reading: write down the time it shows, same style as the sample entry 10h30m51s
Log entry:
8h11m09s
